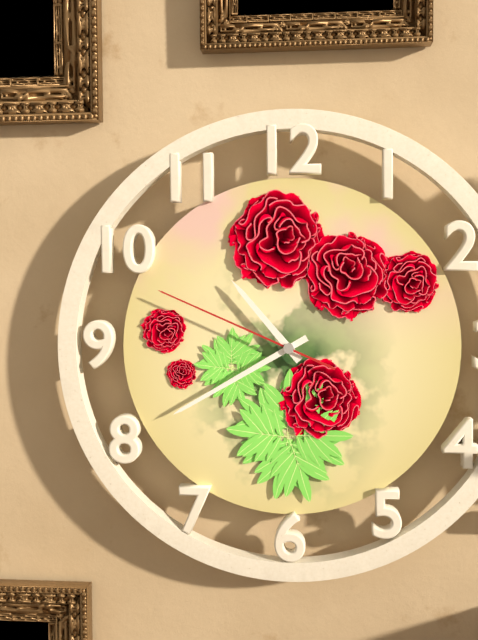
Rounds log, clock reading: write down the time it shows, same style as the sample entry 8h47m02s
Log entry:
10h40m49s
